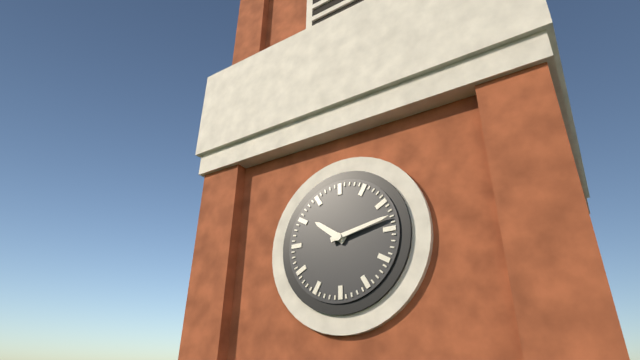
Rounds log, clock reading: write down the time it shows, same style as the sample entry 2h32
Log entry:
10h13
